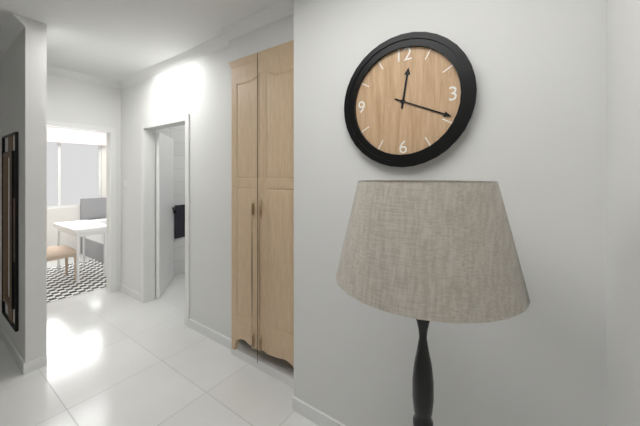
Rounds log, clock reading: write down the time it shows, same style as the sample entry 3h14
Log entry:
12h19
